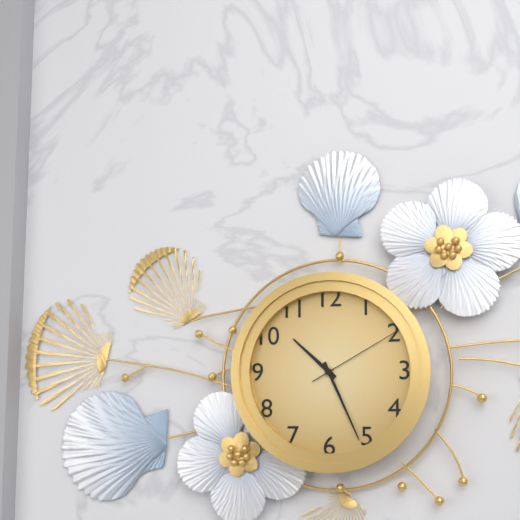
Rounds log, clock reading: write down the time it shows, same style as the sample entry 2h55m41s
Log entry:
10h26m10s
